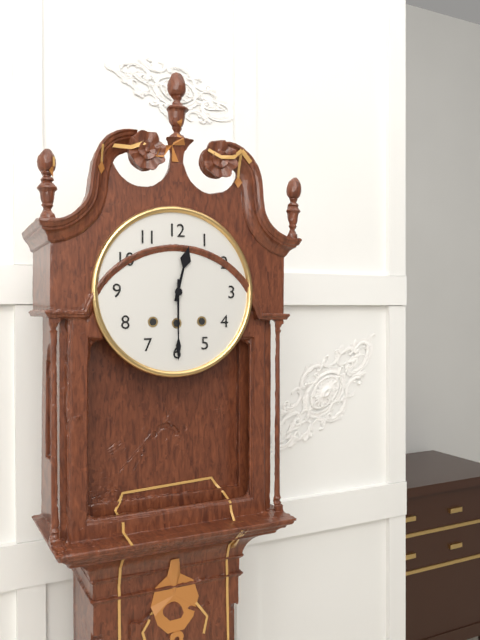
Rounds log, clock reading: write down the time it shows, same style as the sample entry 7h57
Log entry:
12h30
